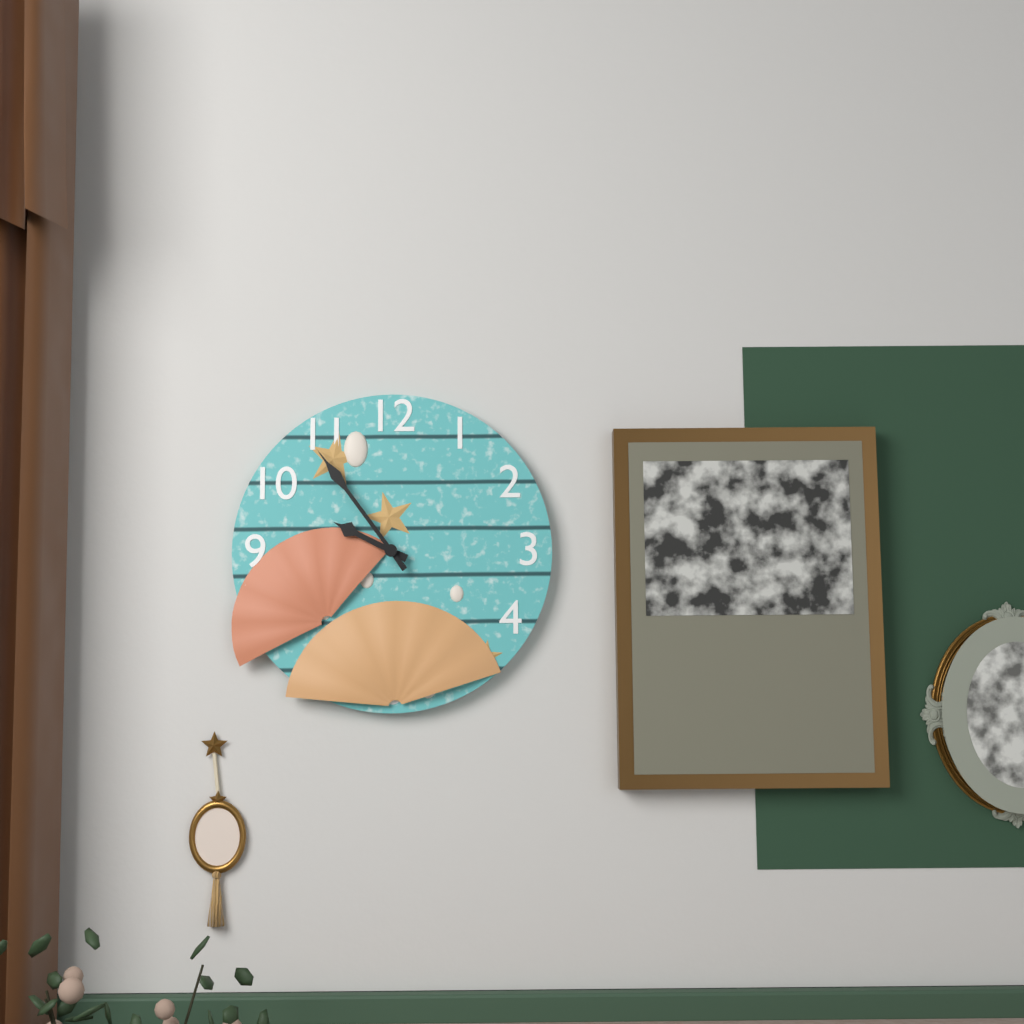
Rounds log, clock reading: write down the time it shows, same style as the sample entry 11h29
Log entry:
9h54
